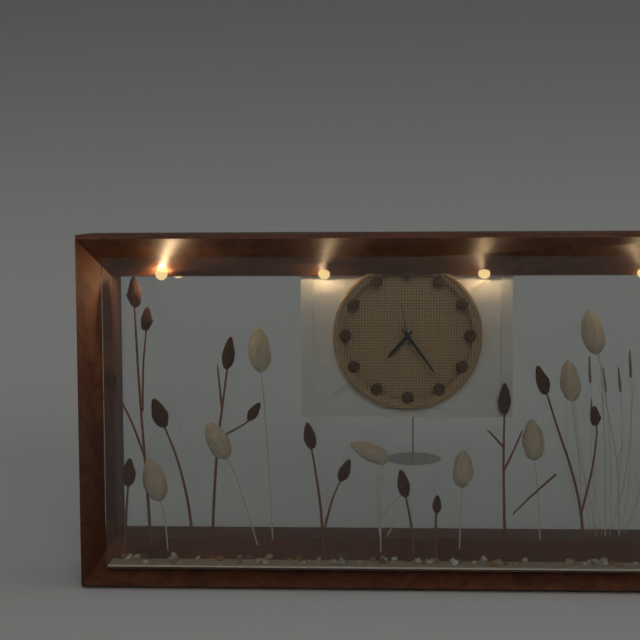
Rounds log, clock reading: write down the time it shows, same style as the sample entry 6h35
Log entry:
7h24
